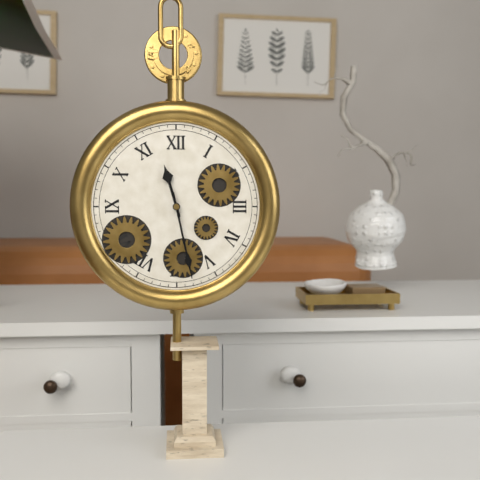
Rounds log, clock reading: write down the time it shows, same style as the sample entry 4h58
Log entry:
11h28
